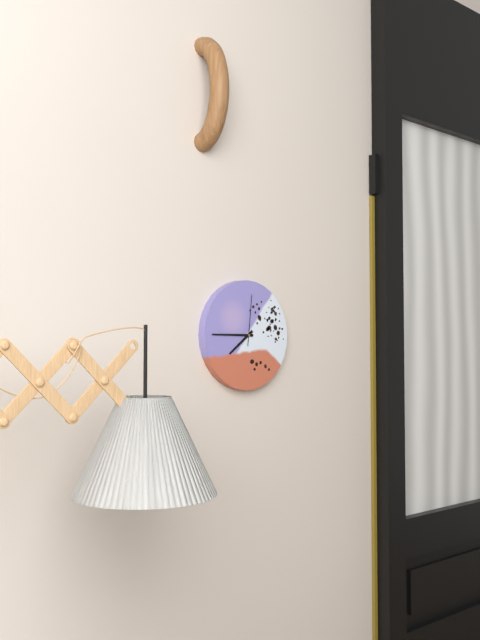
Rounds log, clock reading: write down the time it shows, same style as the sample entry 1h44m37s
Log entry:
7h45m01s
